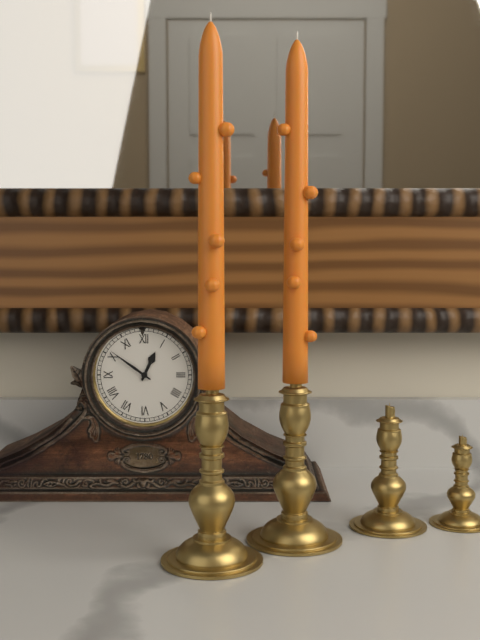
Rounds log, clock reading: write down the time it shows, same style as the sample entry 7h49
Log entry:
12h51
